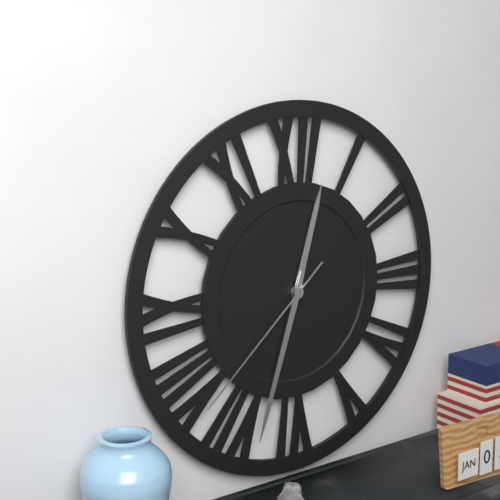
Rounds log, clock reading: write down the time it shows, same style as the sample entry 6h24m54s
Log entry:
12h33m38s
